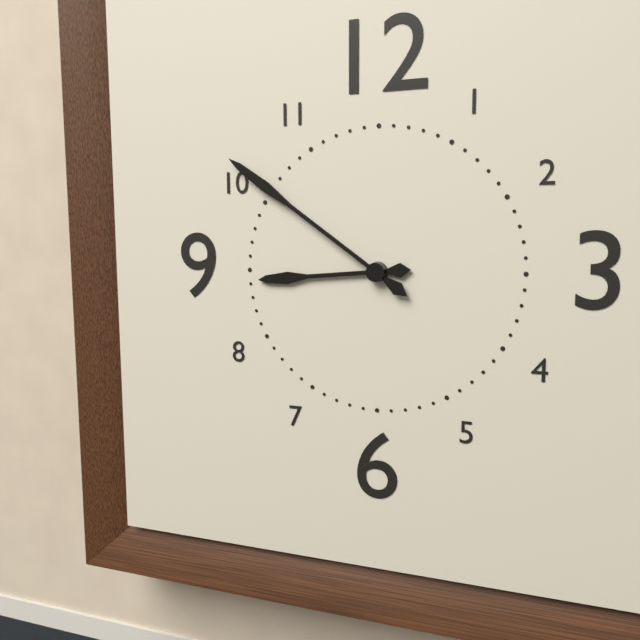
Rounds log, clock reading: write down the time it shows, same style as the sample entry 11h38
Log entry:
8h51
